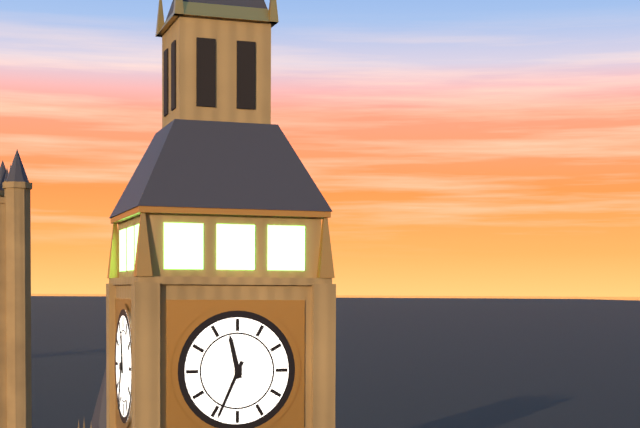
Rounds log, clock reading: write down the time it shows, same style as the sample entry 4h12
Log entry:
11h34
